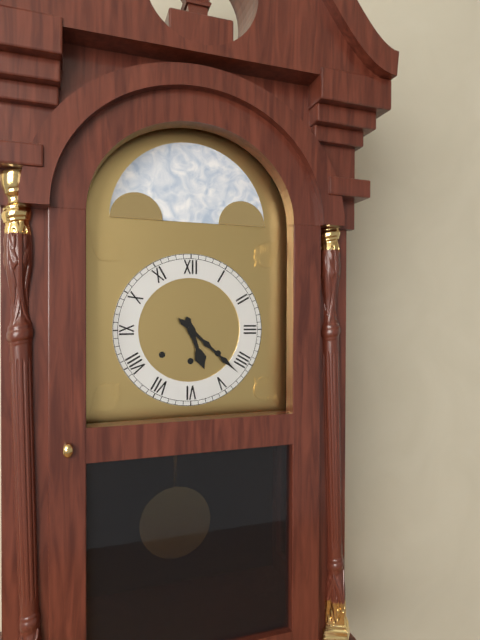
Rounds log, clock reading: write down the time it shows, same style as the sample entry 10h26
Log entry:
5h22
